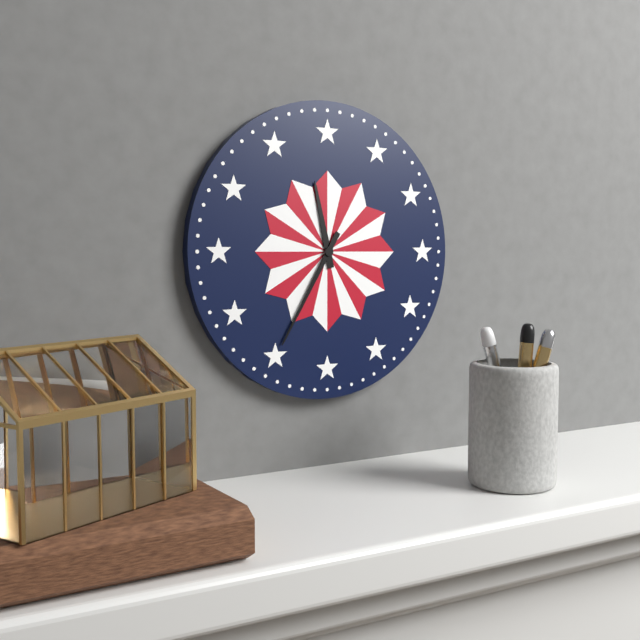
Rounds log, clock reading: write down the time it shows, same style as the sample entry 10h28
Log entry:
11h35
